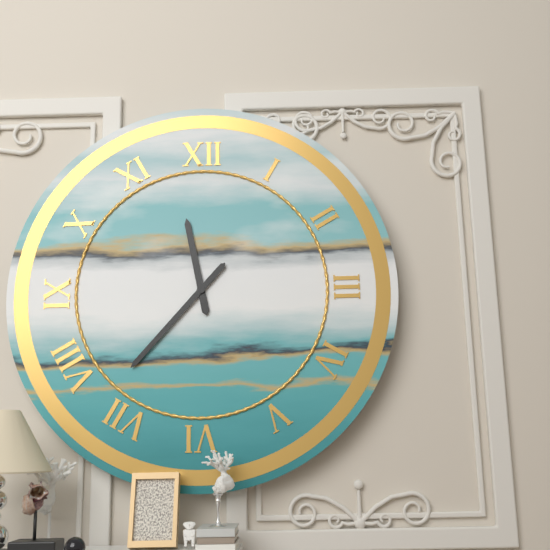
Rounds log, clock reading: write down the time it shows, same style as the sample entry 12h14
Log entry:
11h37
